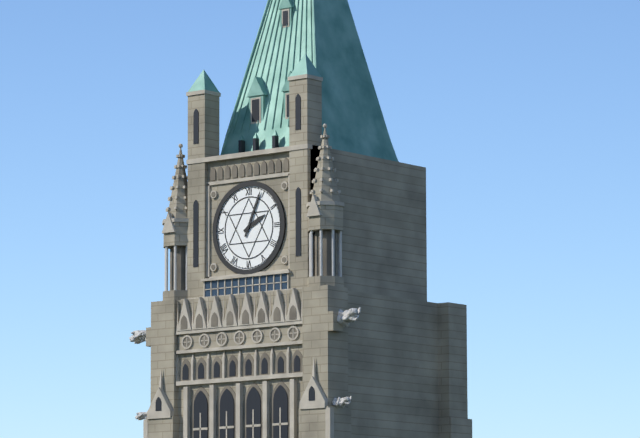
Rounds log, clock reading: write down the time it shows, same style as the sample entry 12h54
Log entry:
2h04
